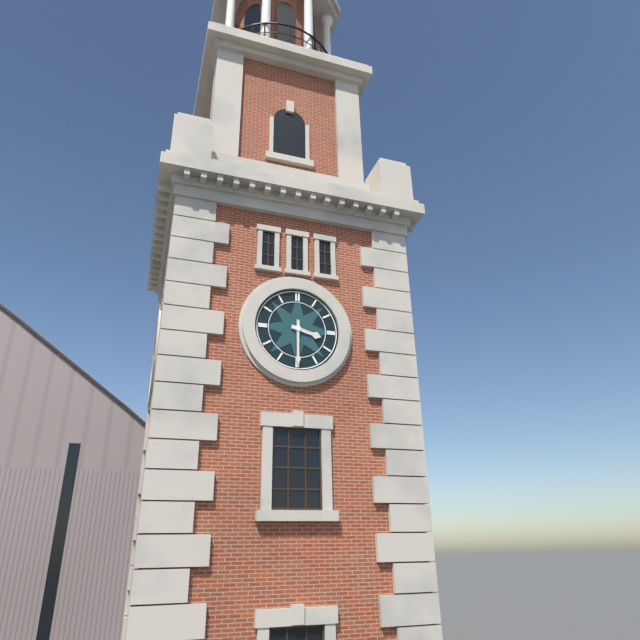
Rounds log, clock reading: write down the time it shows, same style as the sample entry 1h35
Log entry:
3h30
